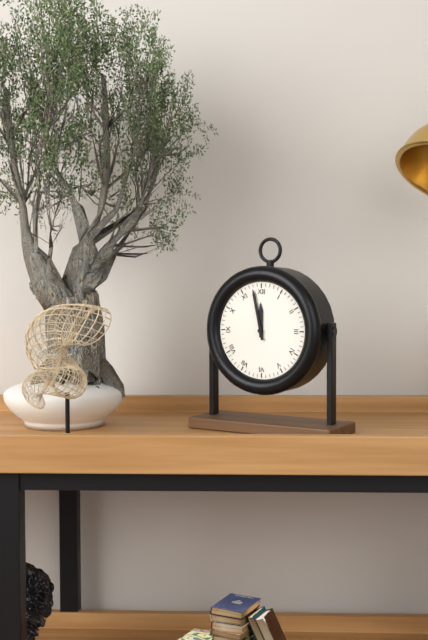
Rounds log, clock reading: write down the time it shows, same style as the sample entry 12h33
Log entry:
11h58
